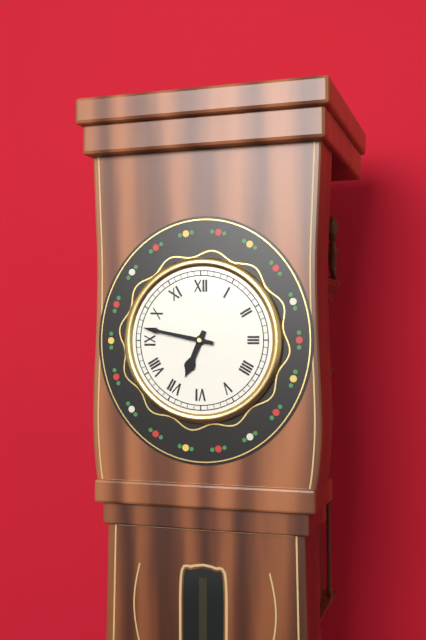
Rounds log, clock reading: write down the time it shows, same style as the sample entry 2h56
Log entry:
6h47
